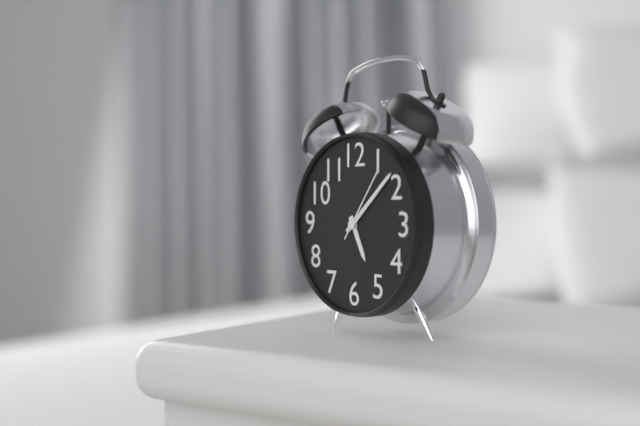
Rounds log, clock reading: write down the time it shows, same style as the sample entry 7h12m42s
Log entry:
5h08m06s
